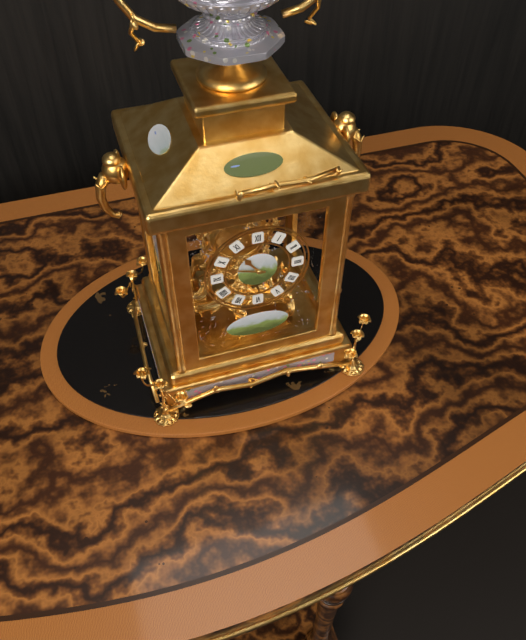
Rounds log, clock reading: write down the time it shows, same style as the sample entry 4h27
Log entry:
10h48
